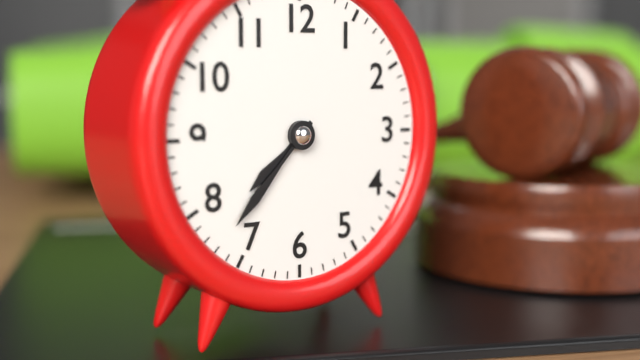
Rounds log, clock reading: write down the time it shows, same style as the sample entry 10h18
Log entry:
7h37
